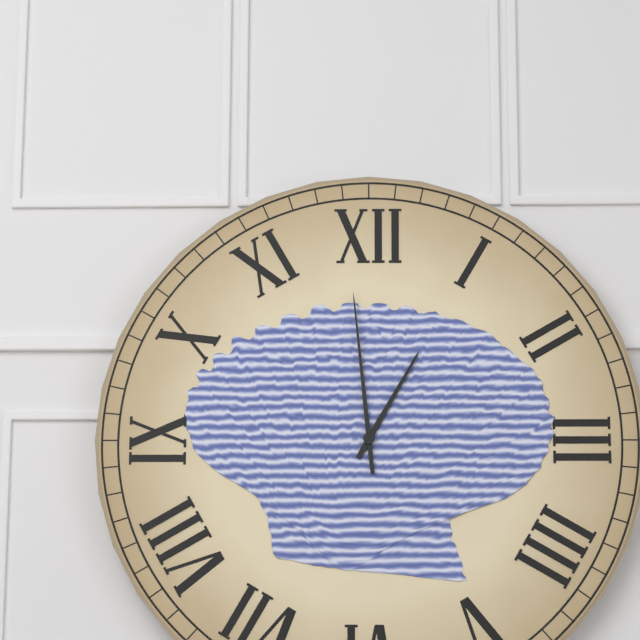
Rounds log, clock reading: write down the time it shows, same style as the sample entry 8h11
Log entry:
12h59
